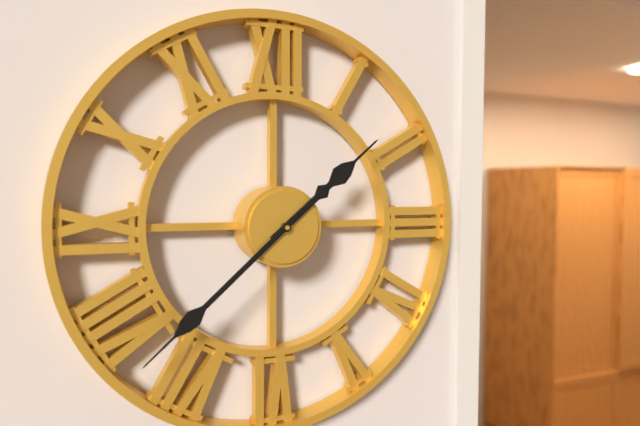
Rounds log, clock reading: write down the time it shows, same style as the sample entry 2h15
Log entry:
1h38
